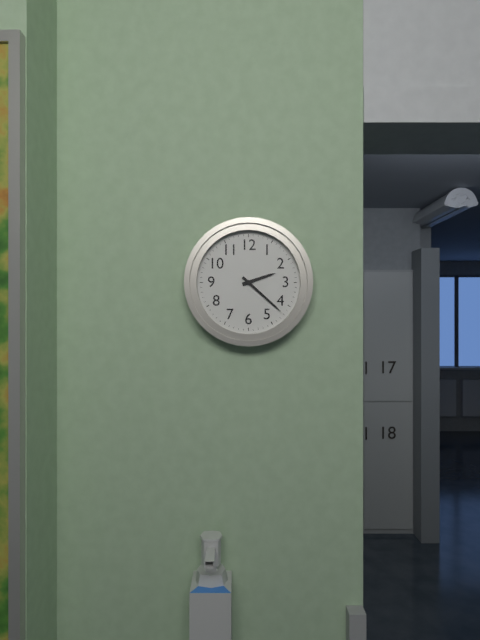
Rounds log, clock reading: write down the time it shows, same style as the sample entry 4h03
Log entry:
2h22
